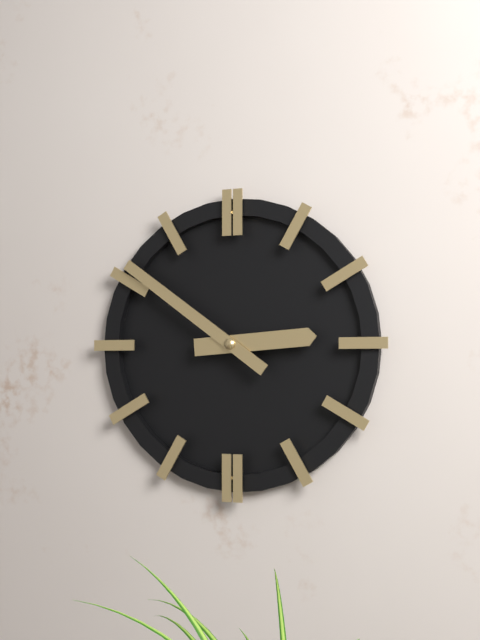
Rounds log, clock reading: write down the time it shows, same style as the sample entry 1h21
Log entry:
2h51
